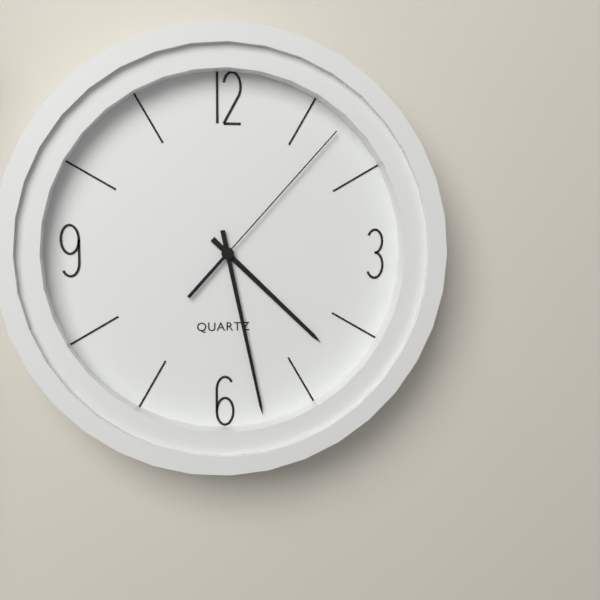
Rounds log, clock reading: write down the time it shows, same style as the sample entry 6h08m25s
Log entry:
4h28m07s
